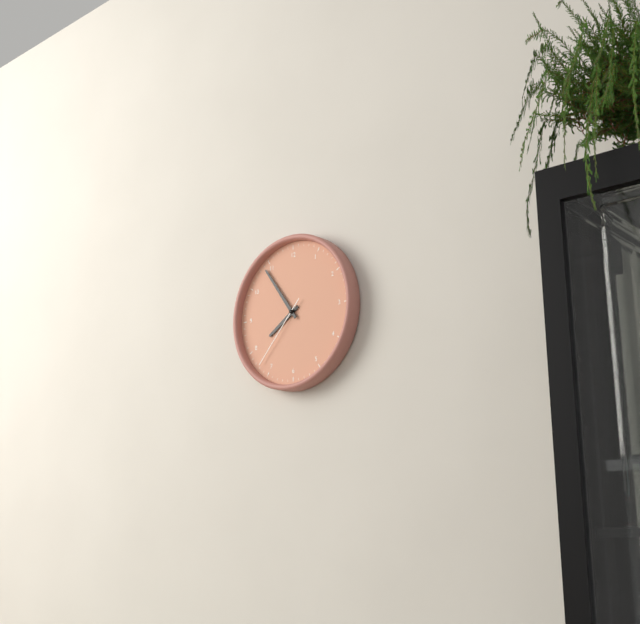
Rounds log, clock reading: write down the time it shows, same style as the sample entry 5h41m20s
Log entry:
7h54m37s
